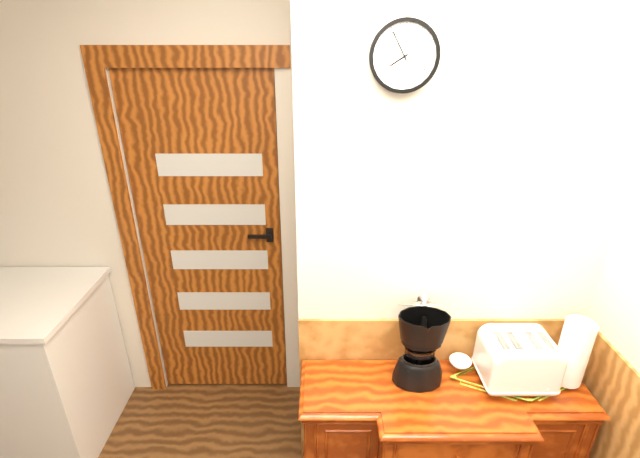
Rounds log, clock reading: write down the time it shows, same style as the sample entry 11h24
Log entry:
7h55
